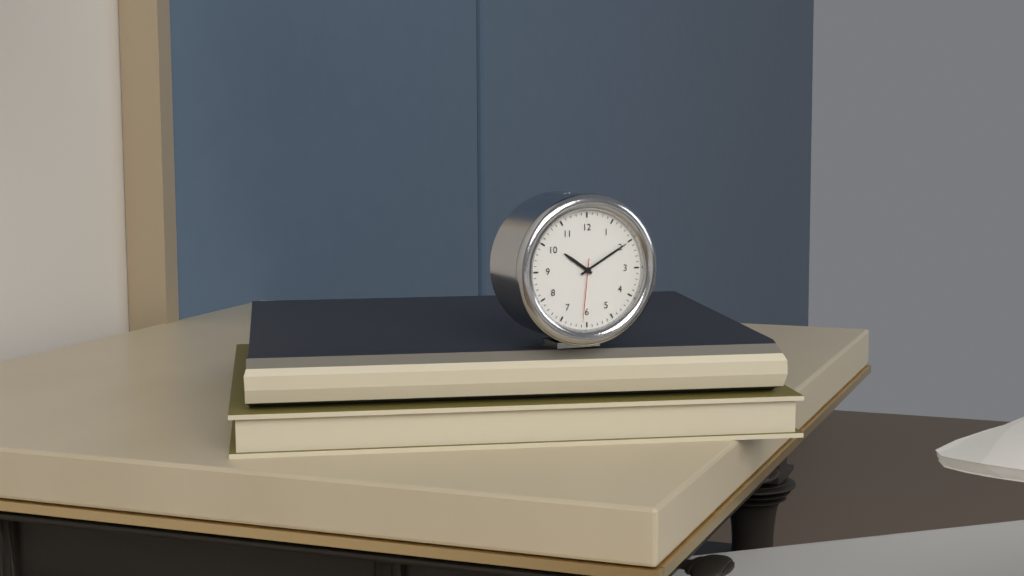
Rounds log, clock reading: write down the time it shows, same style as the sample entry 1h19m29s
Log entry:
10h10m31s
